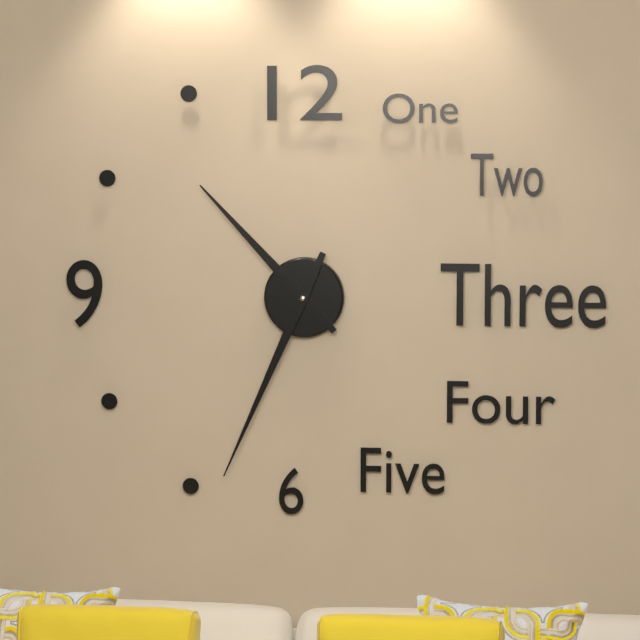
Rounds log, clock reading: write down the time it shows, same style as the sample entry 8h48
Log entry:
10h34
